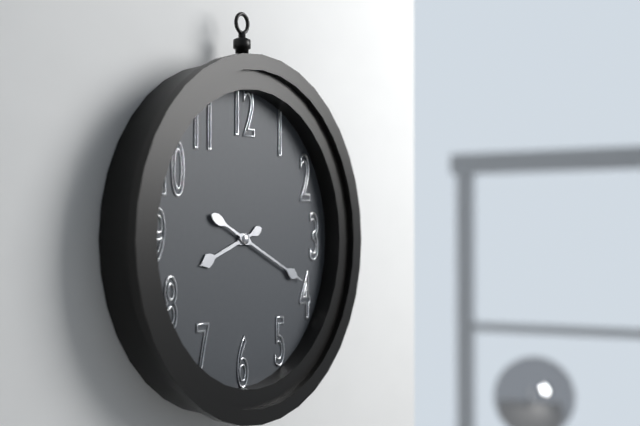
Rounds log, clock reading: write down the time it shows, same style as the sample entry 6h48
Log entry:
8h19
